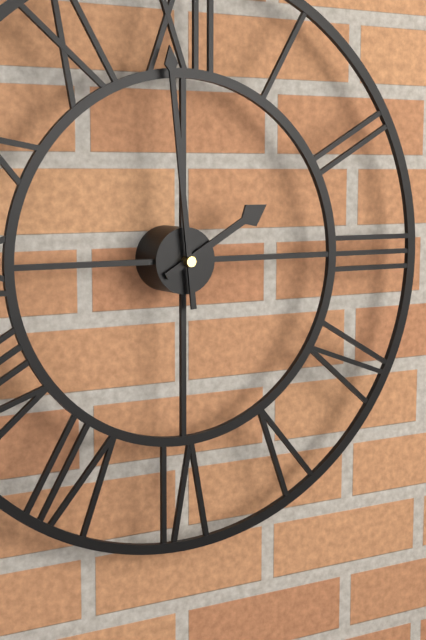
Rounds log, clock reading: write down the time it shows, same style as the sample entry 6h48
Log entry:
1h59
